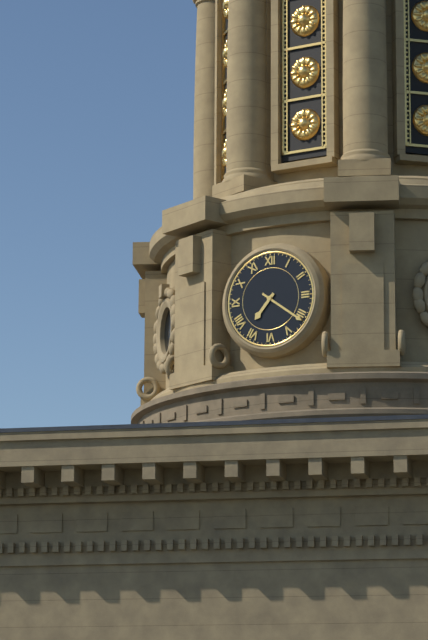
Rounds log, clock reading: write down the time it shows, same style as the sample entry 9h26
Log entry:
7h21
